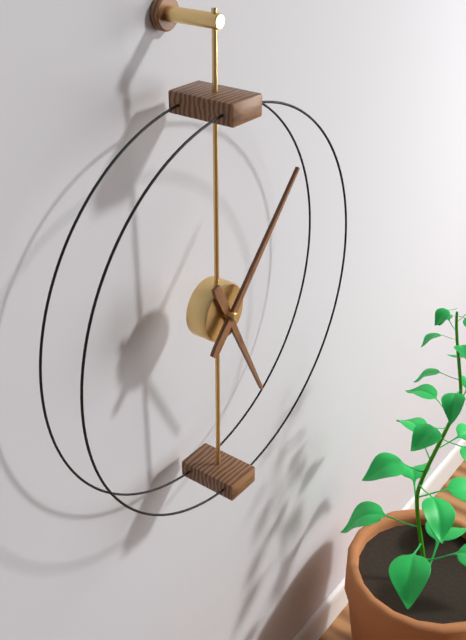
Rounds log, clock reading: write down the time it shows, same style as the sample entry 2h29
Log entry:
5h07
